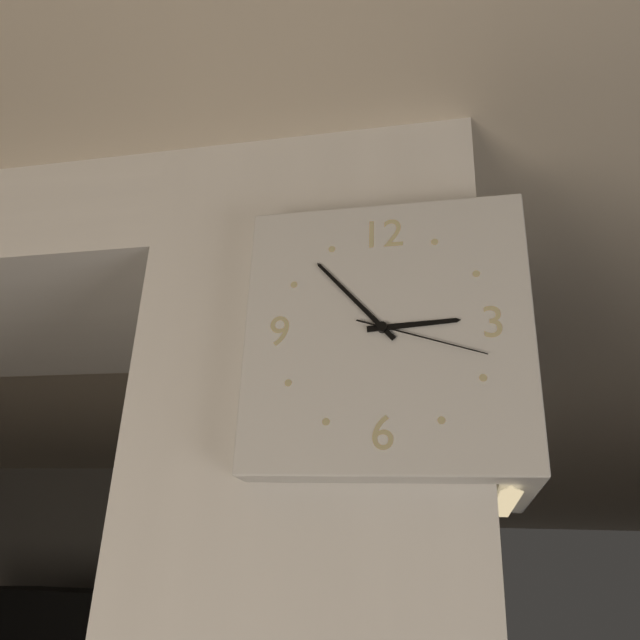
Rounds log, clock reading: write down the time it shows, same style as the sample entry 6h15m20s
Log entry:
2h53m18s
